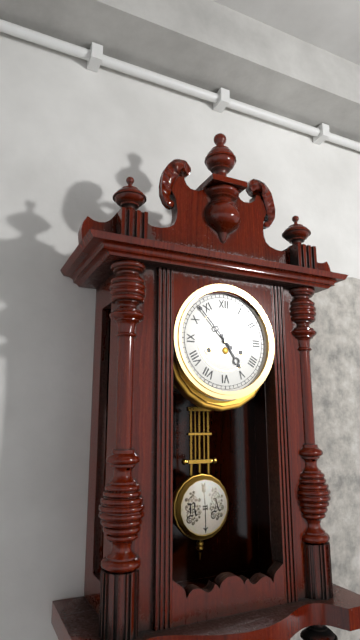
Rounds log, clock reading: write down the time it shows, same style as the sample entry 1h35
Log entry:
4h53
